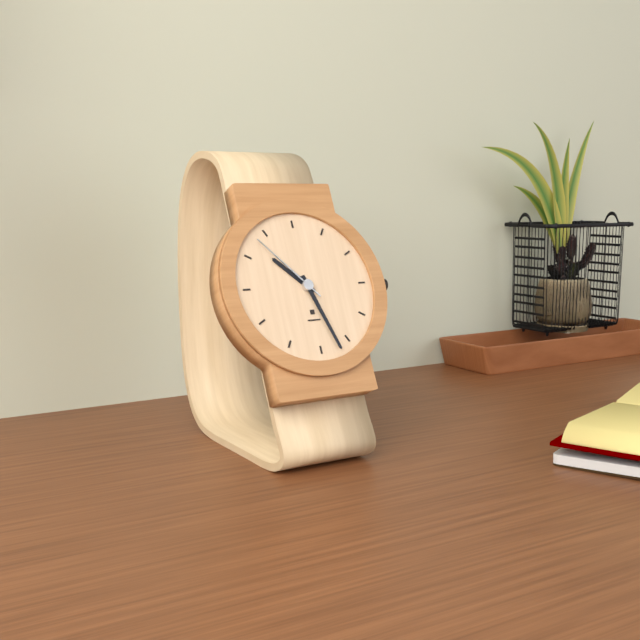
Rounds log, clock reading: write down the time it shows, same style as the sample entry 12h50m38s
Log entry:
10h27m53s
